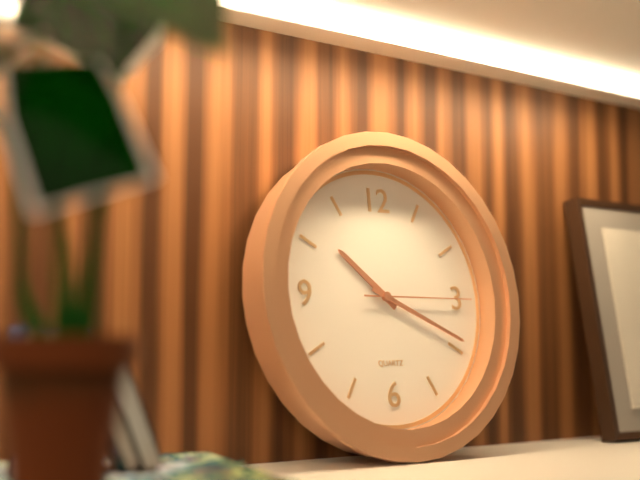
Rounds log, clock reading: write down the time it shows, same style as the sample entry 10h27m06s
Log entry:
10h19m15s
